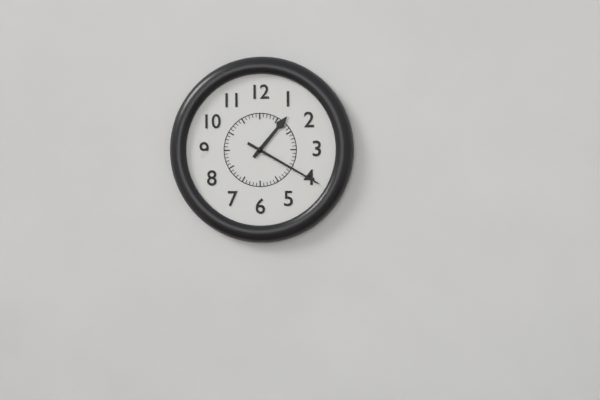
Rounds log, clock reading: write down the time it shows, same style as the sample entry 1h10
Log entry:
1h20
